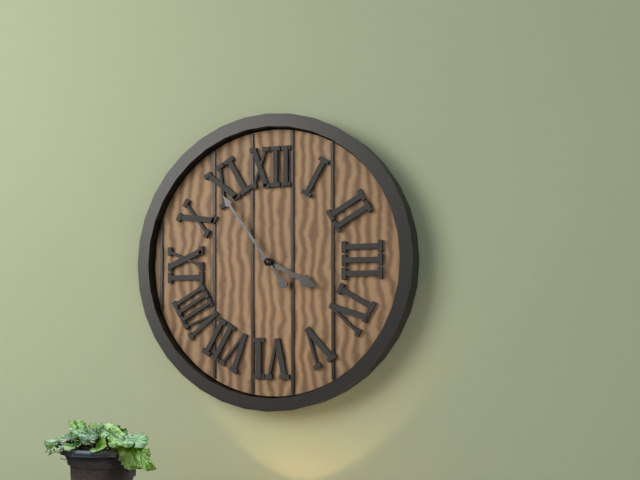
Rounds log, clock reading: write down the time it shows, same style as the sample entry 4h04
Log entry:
3h54
